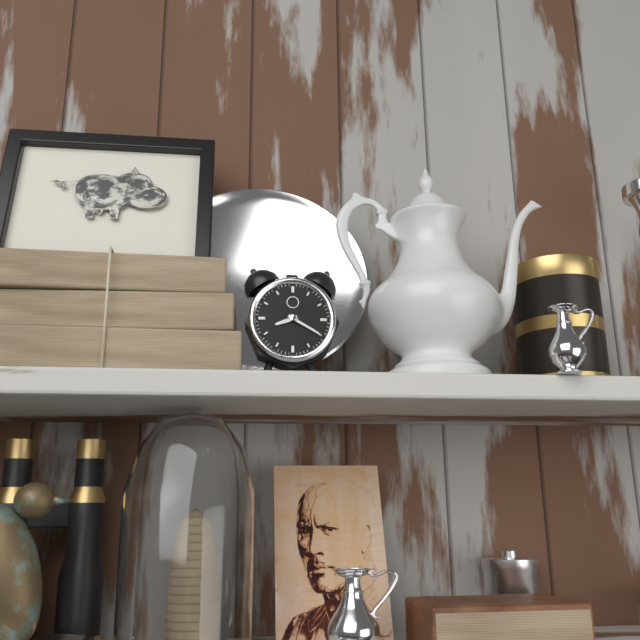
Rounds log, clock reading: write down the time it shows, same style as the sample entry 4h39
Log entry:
8h20
